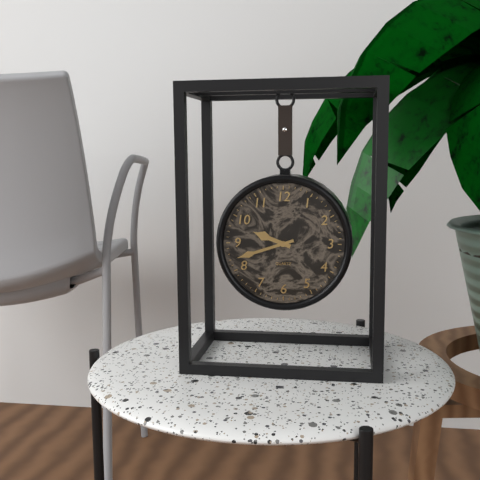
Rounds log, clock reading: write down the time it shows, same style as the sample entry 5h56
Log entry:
9h42
